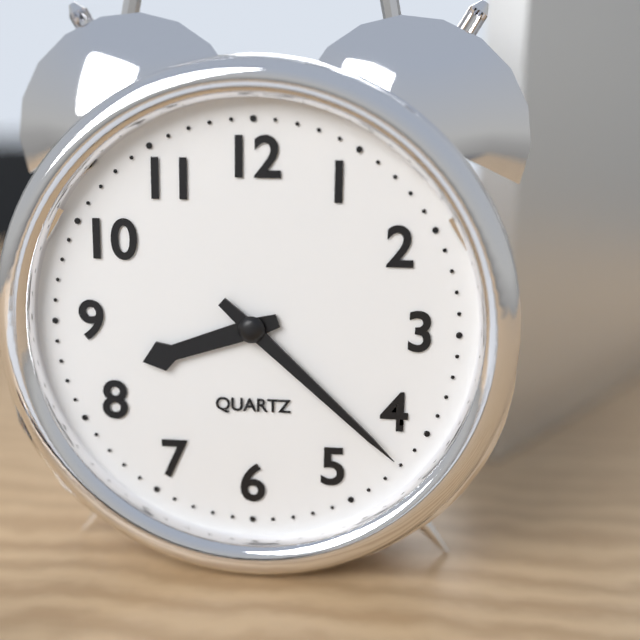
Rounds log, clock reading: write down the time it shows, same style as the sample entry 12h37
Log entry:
8h22
